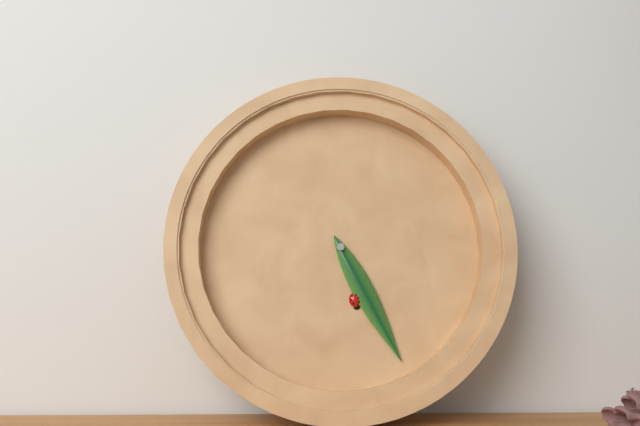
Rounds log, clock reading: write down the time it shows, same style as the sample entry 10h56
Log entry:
5h25
